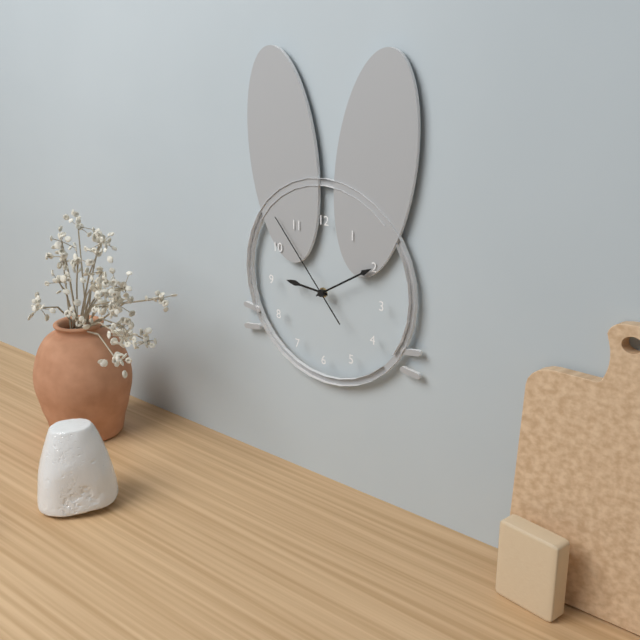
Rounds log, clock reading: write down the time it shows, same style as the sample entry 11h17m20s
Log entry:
9h10m53s
